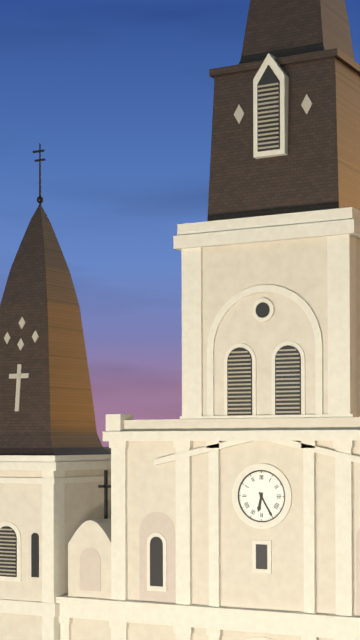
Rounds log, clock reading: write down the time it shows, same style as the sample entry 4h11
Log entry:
6h25
